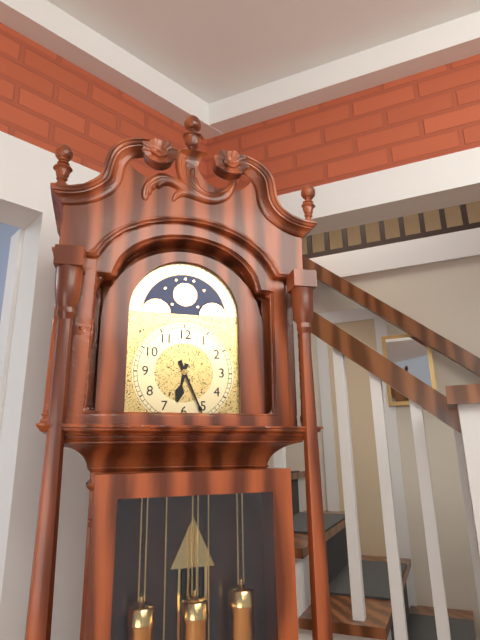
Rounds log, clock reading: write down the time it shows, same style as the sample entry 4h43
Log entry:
6h26
